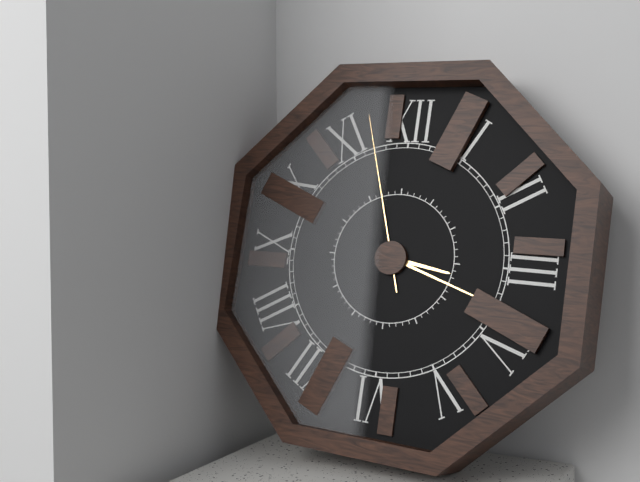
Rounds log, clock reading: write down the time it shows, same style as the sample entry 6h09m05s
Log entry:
3h18m57s
